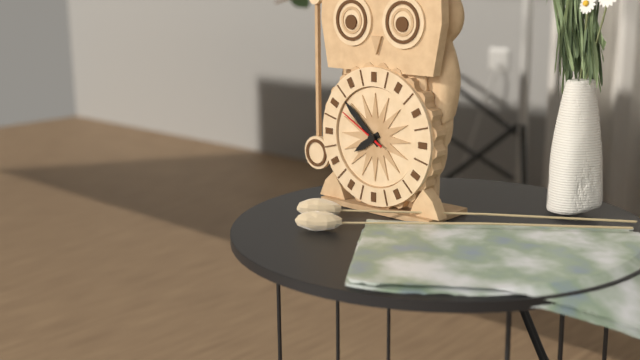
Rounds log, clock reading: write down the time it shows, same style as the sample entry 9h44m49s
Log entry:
7h52m50s
